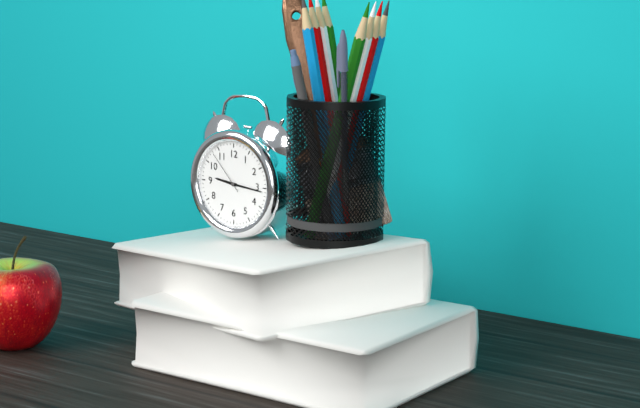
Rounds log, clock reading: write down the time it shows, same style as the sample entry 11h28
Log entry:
9h16
